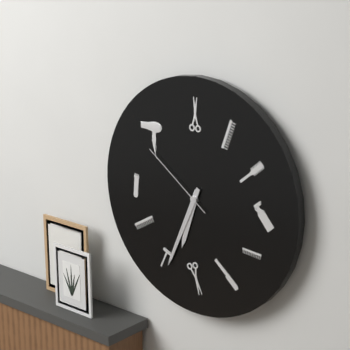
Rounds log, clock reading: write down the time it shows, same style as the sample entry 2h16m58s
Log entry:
6h34m51s
